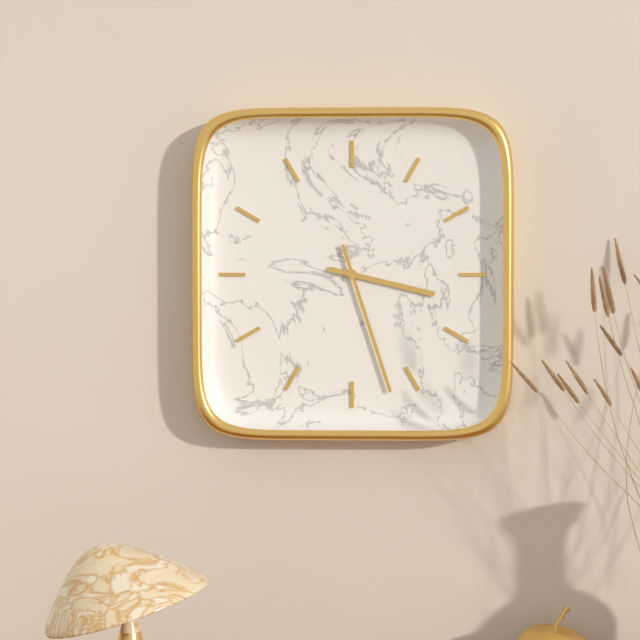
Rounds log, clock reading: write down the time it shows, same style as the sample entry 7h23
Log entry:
3h27
